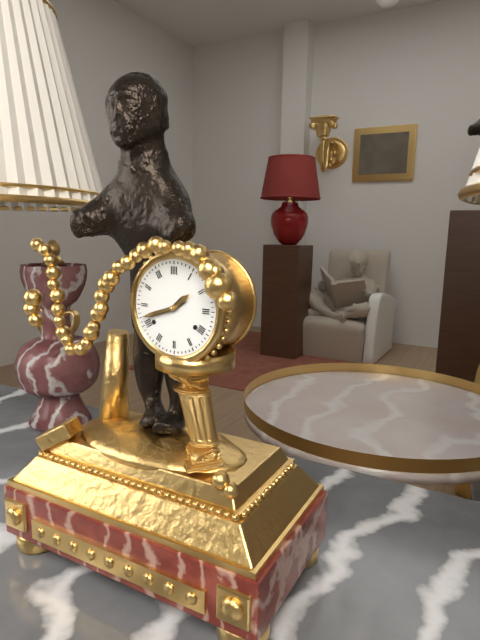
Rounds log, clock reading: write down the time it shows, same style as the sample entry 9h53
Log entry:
1h42
